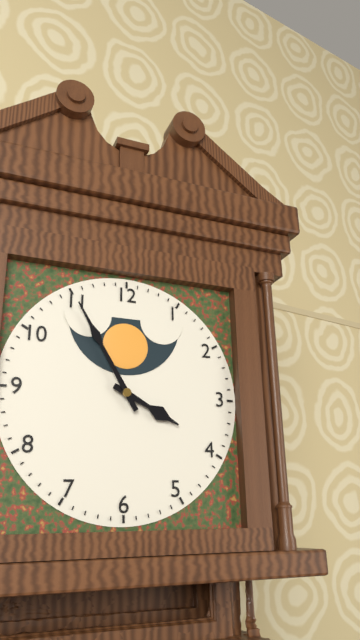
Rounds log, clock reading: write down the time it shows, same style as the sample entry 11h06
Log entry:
3h55
